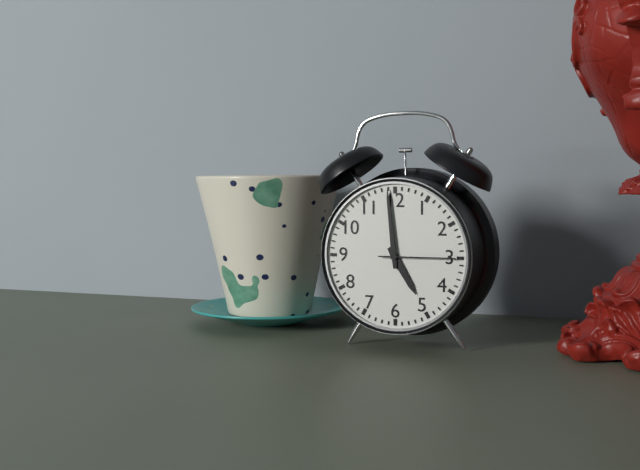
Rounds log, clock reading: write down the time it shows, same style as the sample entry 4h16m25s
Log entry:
4h59m15s
